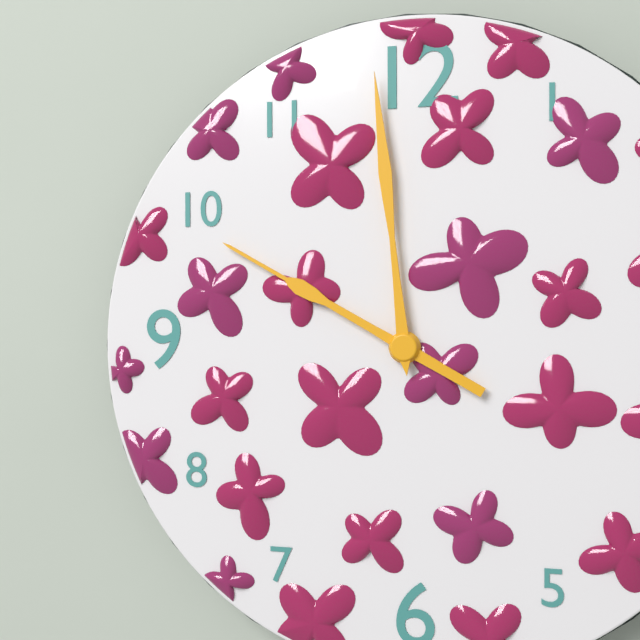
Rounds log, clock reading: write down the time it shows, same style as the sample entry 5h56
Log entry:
9h59
